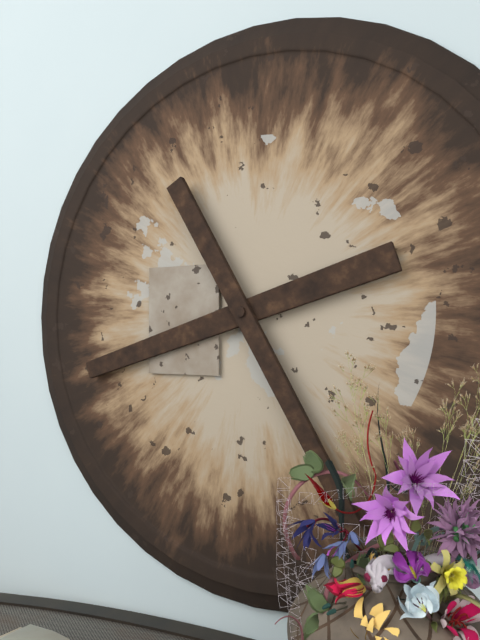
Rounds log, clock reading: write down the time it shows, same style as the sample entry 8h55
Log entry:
8h25
